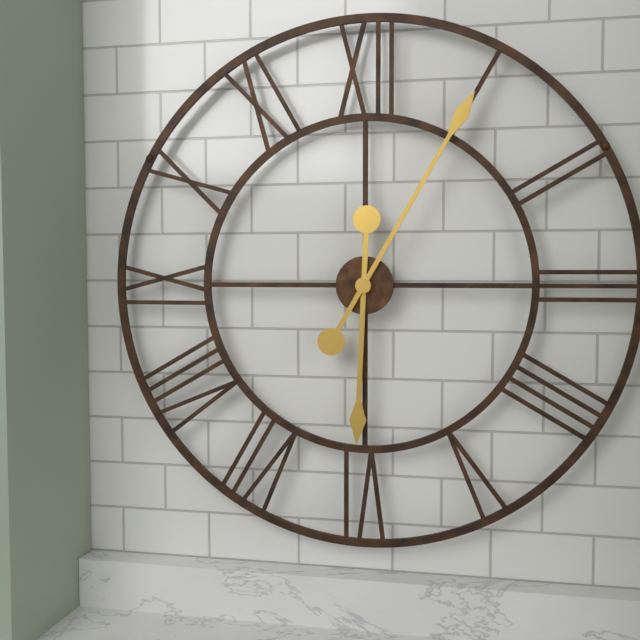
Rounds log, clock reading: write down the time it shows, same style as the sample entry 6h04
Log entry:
6h05
